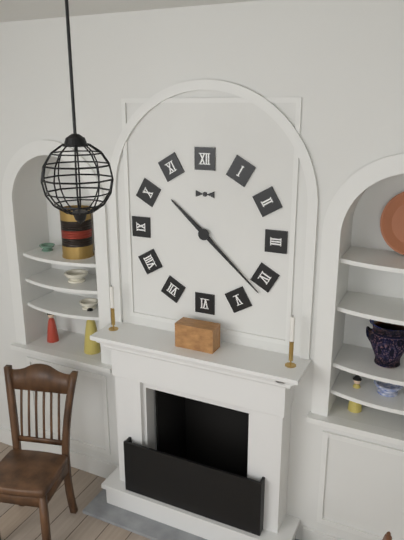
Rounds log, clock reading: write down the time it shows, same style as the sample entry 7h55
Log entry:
10h22
